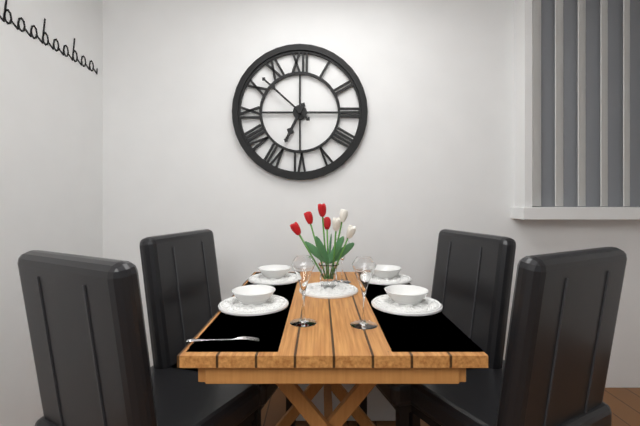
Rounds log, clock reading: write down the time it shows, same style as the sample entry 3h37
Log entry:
6h52
